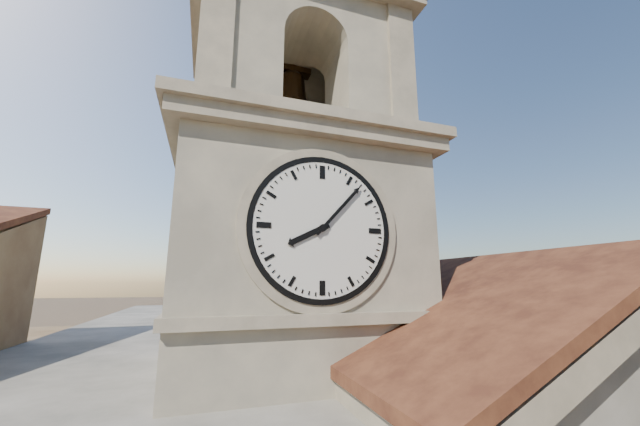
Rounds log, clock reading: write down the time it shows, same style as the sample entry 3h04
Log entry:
8h07
